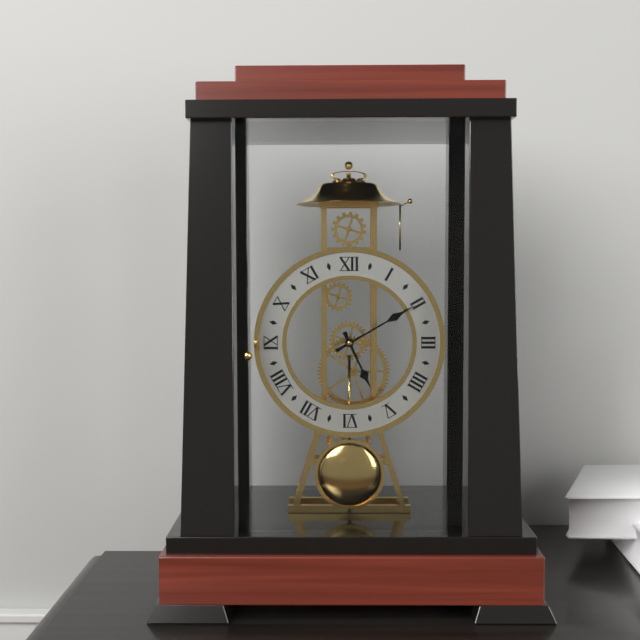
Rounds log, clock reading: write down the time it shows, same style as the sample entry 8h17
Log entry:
5h10
